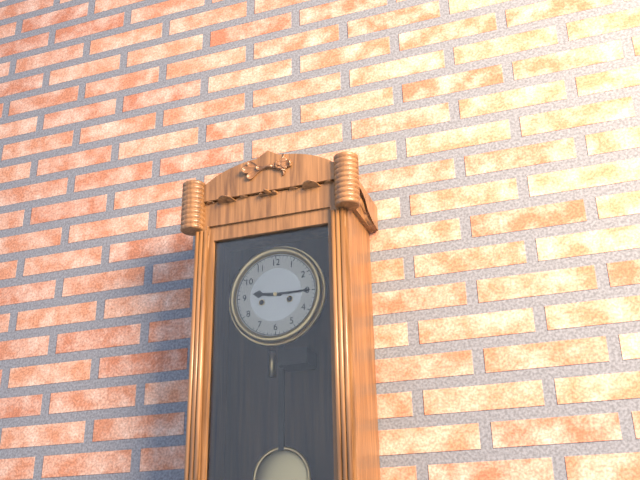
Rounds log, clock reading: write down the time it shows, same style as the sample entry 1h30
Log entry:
9h15
